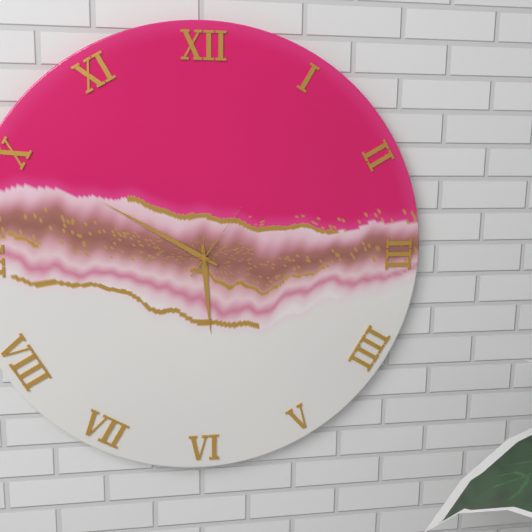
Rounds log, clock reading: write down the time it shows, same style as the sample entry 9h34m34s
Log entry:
5h50m06s
